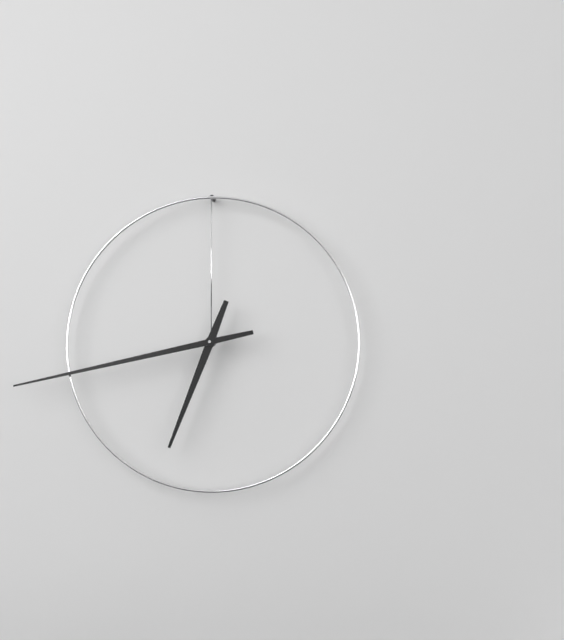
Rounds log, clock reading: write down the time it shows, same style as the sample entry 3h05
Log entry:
6h43
